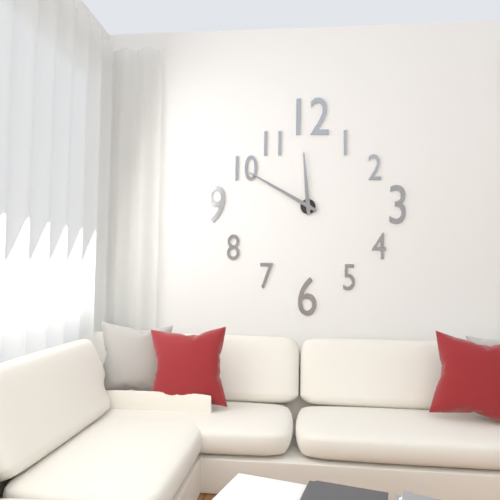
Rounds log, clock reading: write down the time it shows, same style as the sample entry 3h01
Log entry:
11h50
